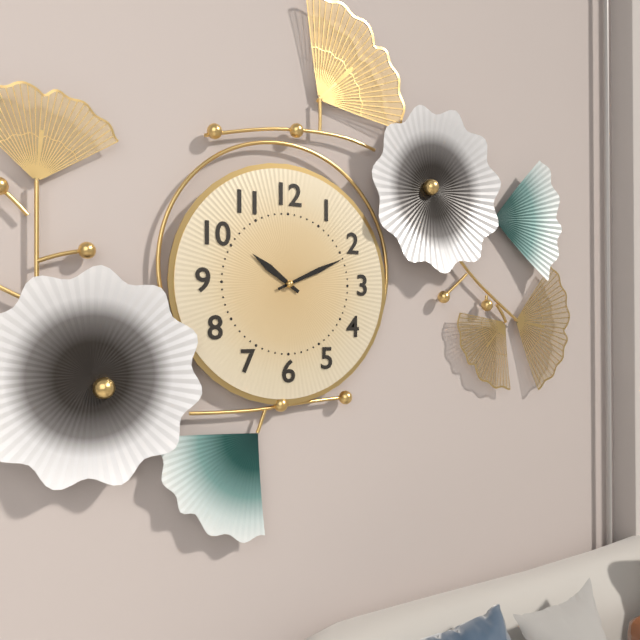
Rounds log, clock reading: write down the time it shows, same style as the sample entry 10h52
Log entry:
10h11
